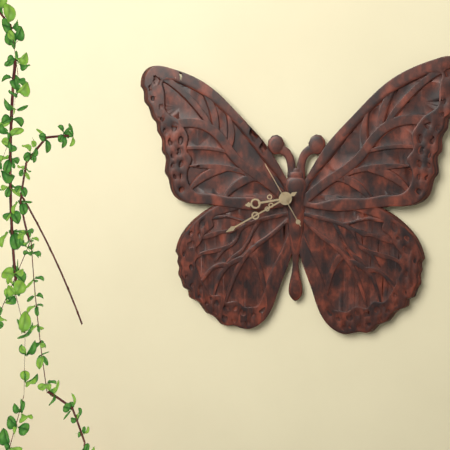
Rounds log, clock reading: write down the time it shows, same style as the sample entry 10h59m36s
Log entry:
8h40m55s
